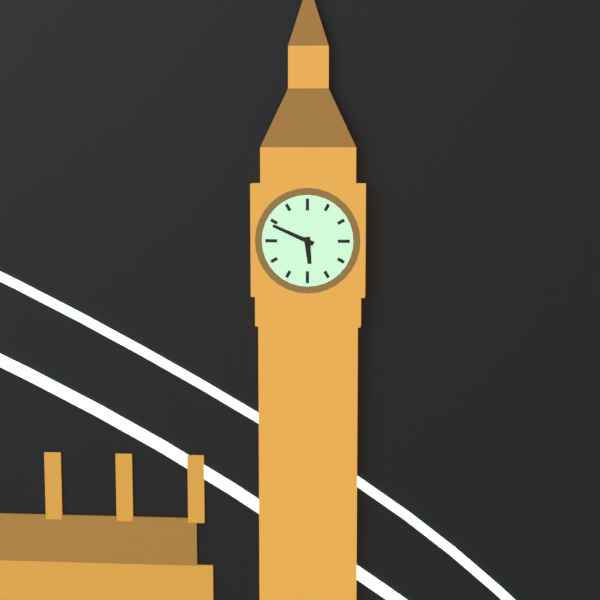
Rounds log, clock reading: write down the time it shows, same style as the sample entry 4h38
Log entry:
5h49
